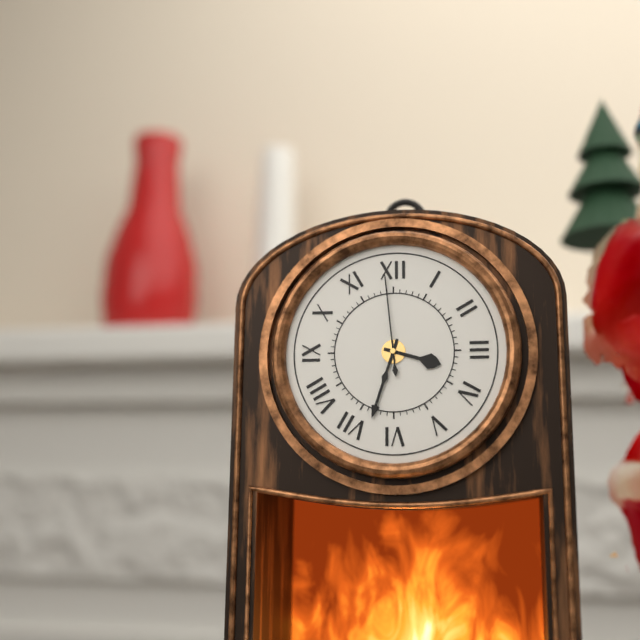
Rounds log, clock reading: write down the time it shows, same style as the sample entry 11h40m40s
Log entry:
3h33m59s
